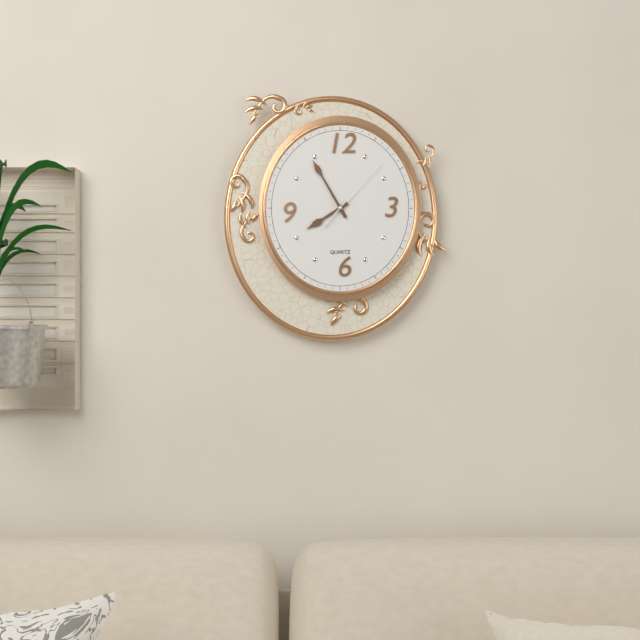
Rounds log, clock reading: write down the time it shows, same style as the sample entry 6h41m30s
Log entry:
7h55m07s
